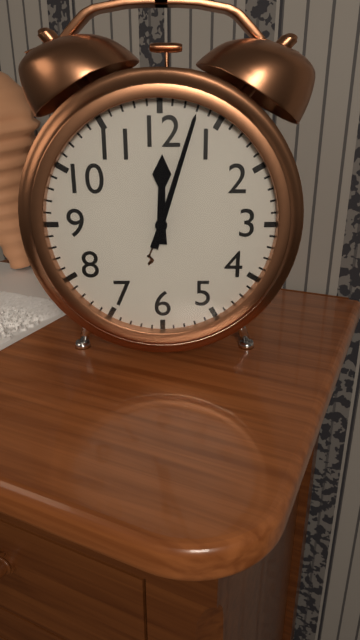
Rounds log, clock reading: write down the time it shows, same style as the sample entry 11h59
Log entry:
12h03
